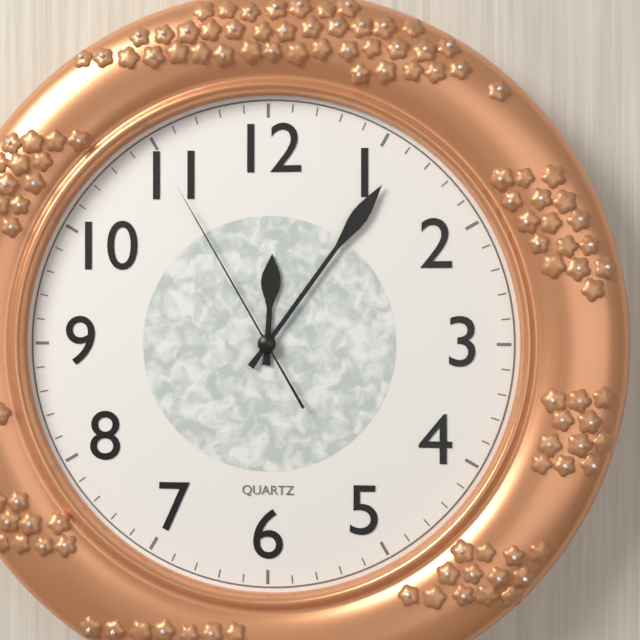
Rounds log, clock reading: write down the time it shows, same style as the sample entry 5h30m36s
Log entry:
12h06m55s
